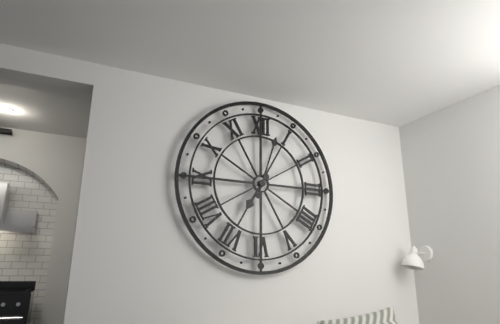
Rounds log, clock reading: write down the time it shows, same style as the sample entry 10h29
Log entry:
7h03
